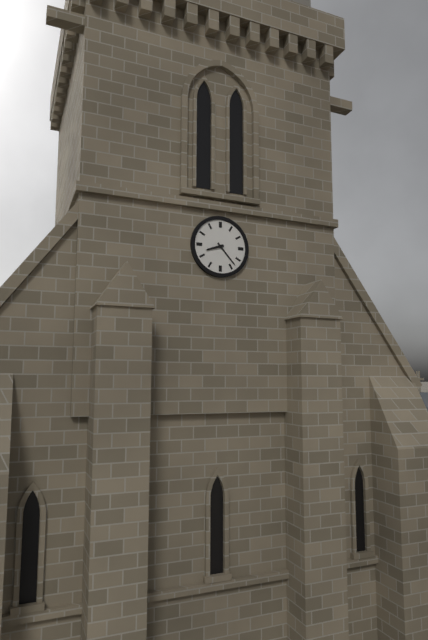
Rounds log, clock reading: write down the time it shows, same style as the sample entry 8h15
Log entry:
8h23
